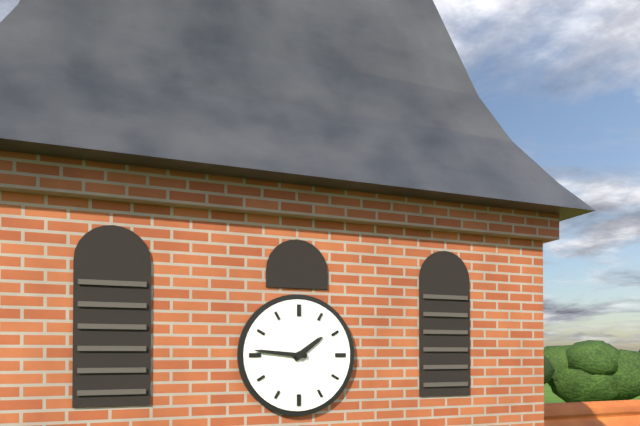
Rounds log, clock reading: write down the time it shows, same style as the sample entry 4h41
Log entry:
1h46
